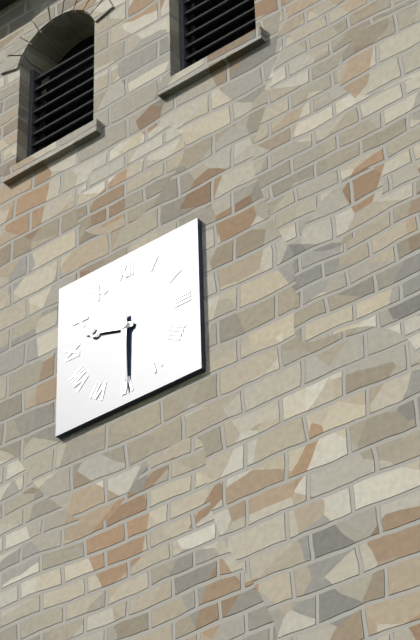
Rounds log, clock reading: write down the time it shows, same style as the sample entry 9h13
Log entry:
9h30
